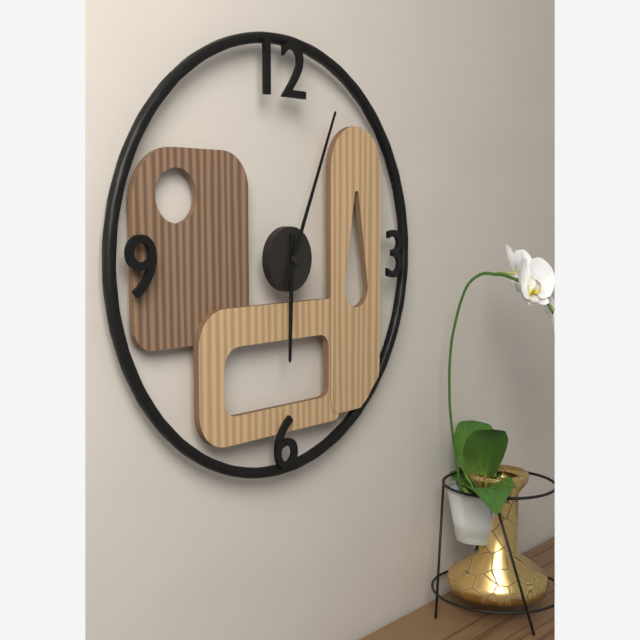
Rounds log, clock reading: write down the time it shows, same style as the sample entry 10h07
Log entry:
6h04
